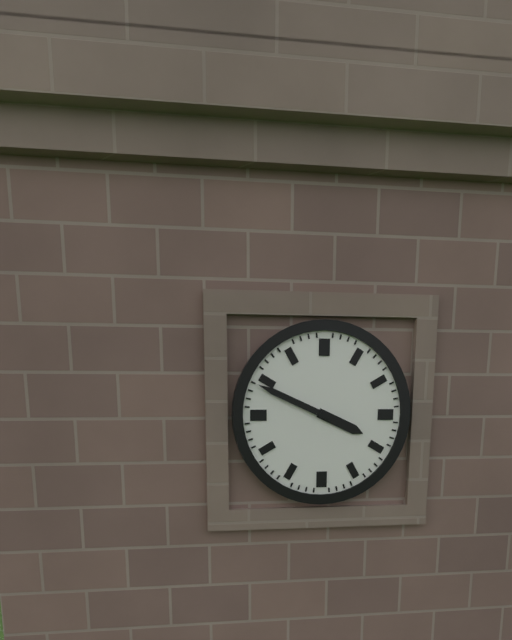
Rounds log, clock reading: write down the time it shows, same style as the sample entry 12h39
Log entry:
3h49
